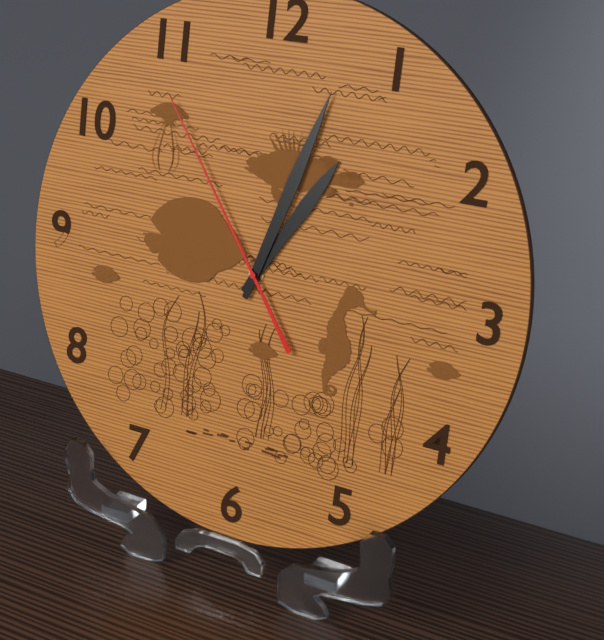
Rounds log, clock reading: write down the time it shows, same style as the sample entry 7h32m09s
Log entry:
1h03m54s
